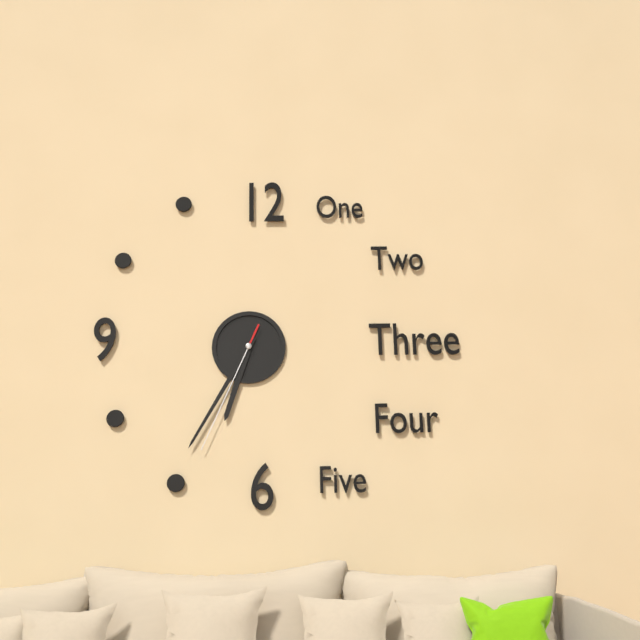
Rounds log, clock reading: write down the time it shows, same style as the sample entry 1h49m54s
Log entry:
6h35m34s
